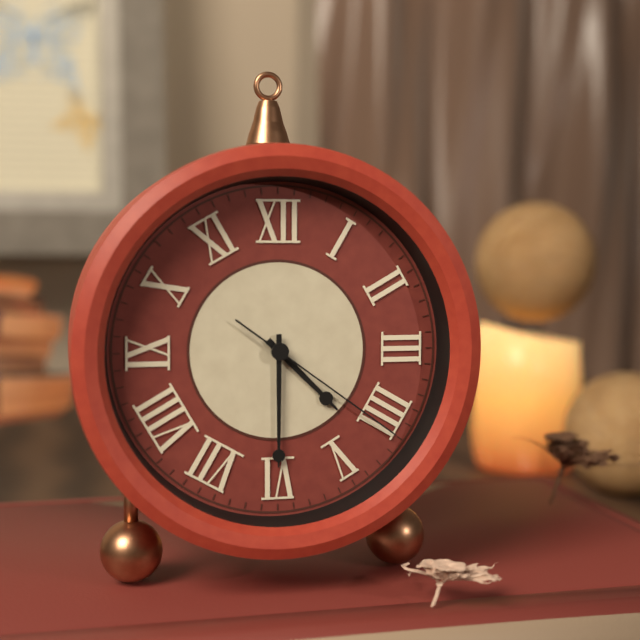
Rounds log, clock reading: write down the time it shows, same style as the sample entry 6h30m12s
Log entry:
4h30m21s
